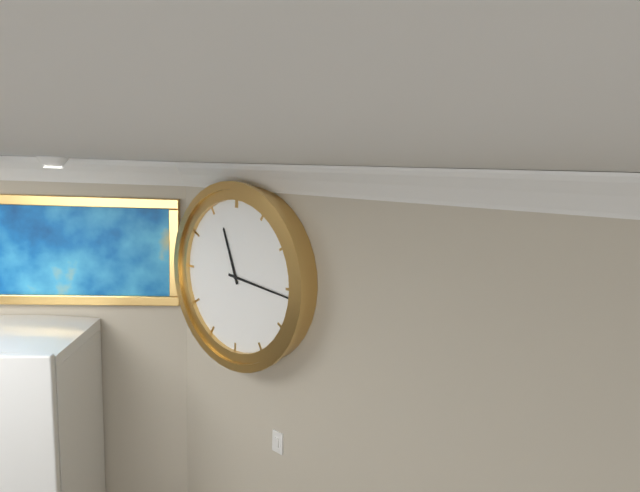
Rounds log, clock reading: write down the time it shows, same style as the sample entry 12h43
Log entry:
11h16
